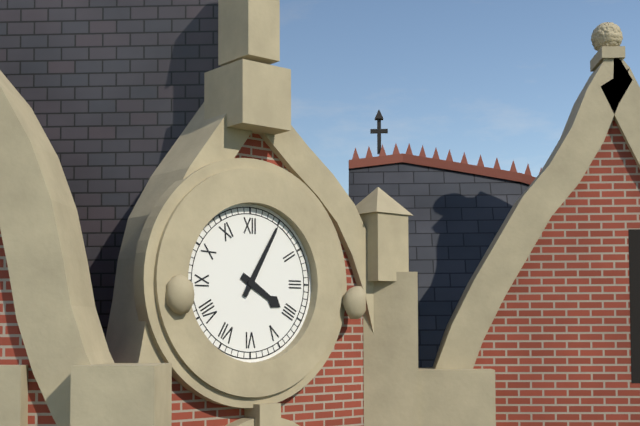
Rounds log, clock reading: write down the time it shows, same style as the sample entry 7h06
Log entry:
4h05
